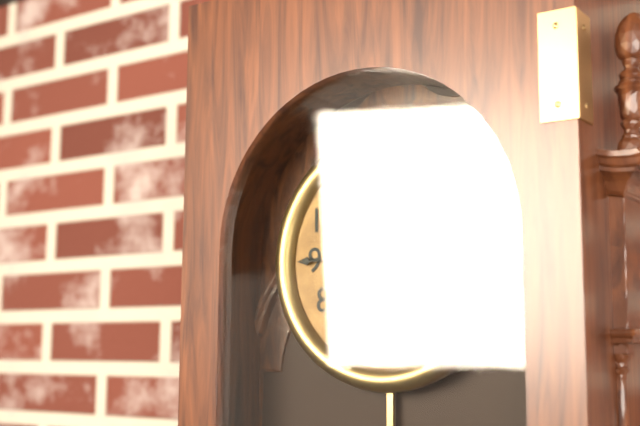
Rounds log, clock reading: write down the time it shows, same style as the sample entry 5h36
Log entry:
4h45
